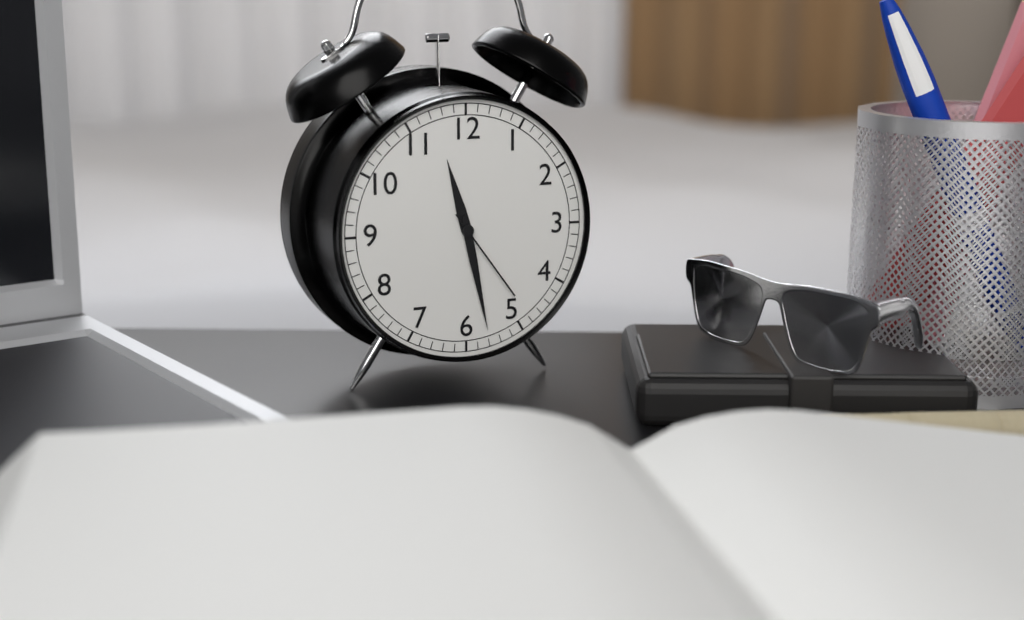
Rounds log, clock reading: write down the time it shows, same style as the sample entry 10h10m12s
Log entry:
11h28m24s
